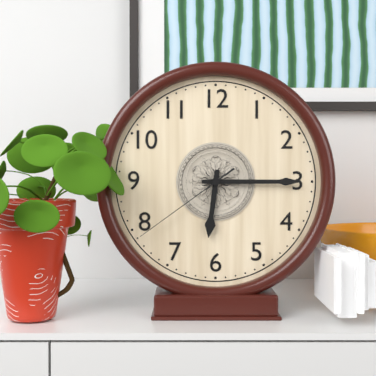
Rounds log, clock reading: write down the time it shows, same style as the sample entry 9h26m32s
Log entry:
6h15m39s
